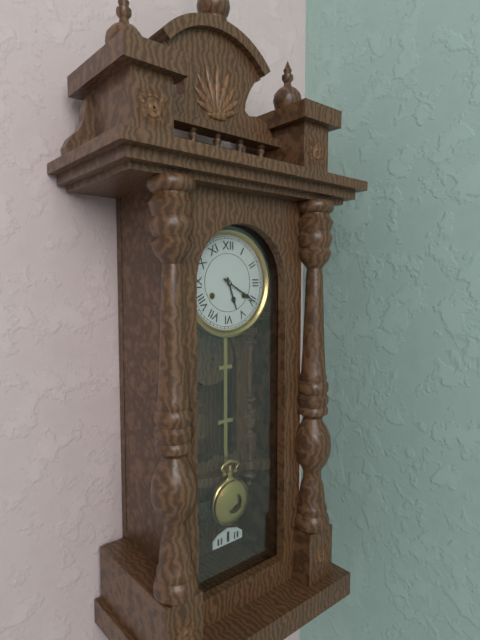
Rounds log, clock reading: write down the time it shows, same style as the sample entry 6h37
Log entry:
5h20
